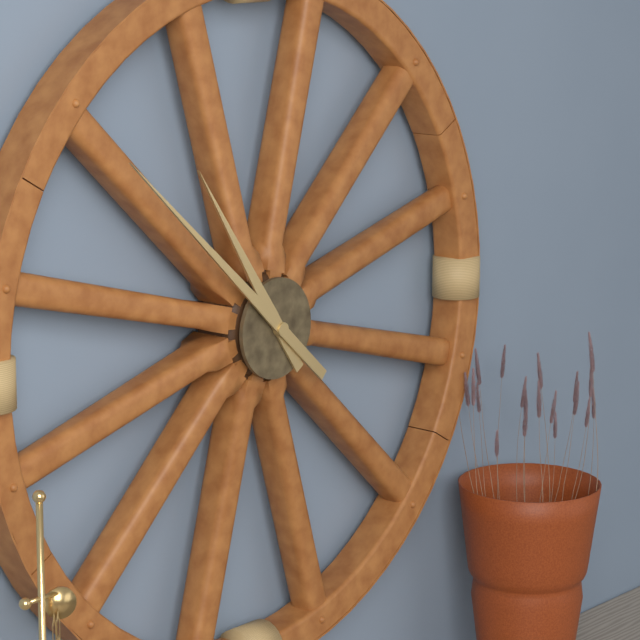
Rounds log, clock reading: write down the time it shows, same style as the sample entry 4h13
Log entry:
10h52
